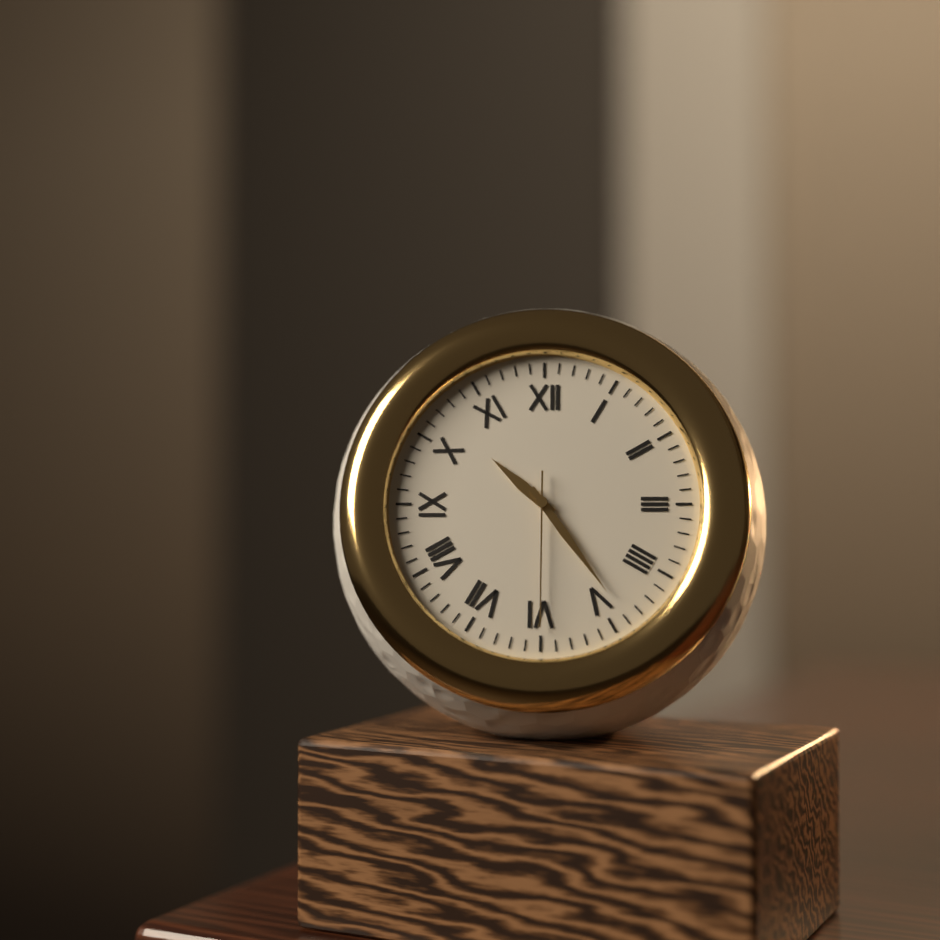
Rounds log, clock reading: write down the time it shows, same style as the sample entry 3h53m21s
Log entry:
10h24m30s
